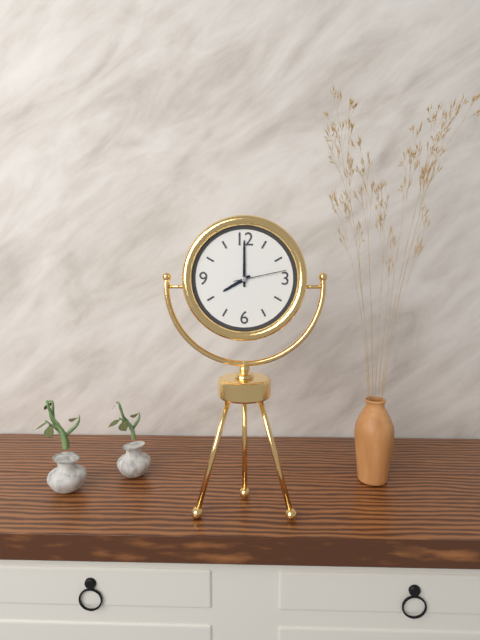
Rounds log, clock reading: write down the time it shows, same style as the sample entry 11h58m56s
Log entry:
8h00m13s
